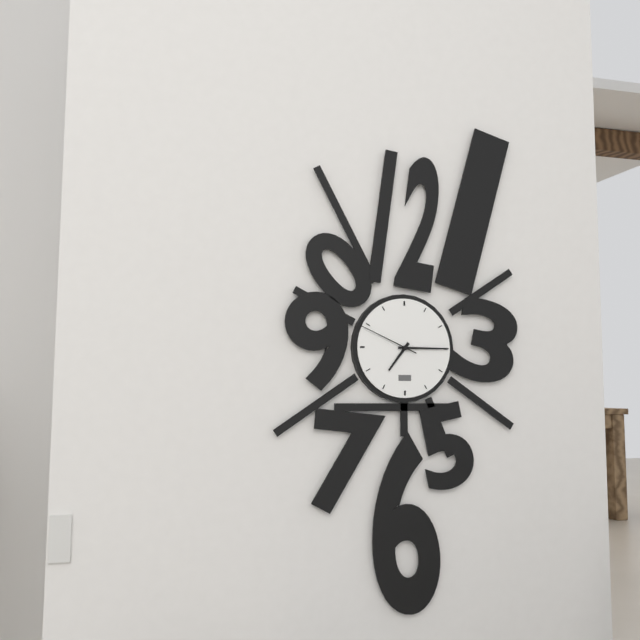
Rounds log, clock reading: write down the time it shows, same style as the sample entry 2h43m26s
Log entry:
7h15m49s
